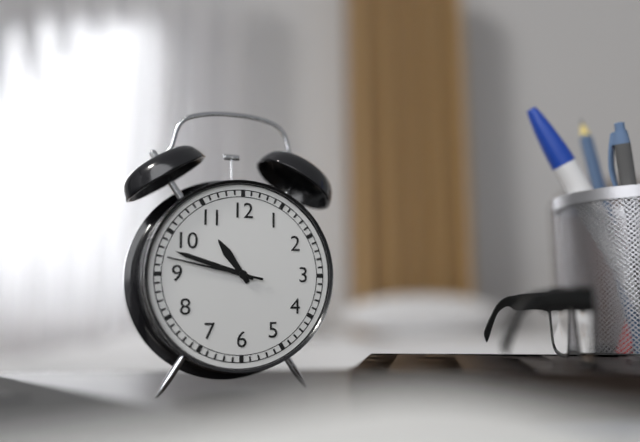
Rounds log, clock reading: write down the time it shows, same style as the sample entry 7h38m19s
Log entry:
10h48m47s
